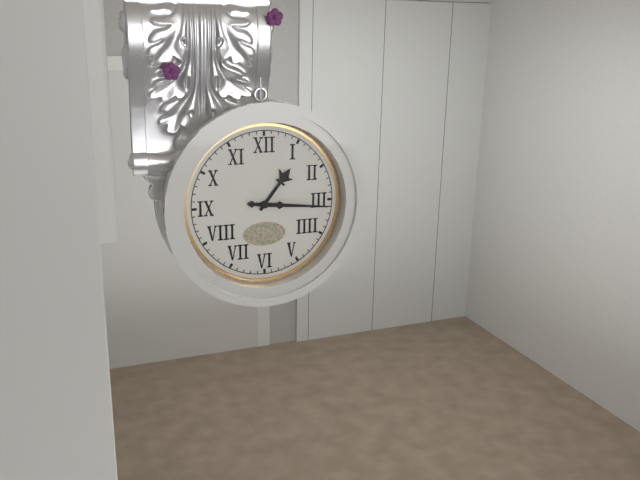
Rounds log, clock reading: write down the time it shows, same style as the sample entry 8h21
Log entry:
1h16
